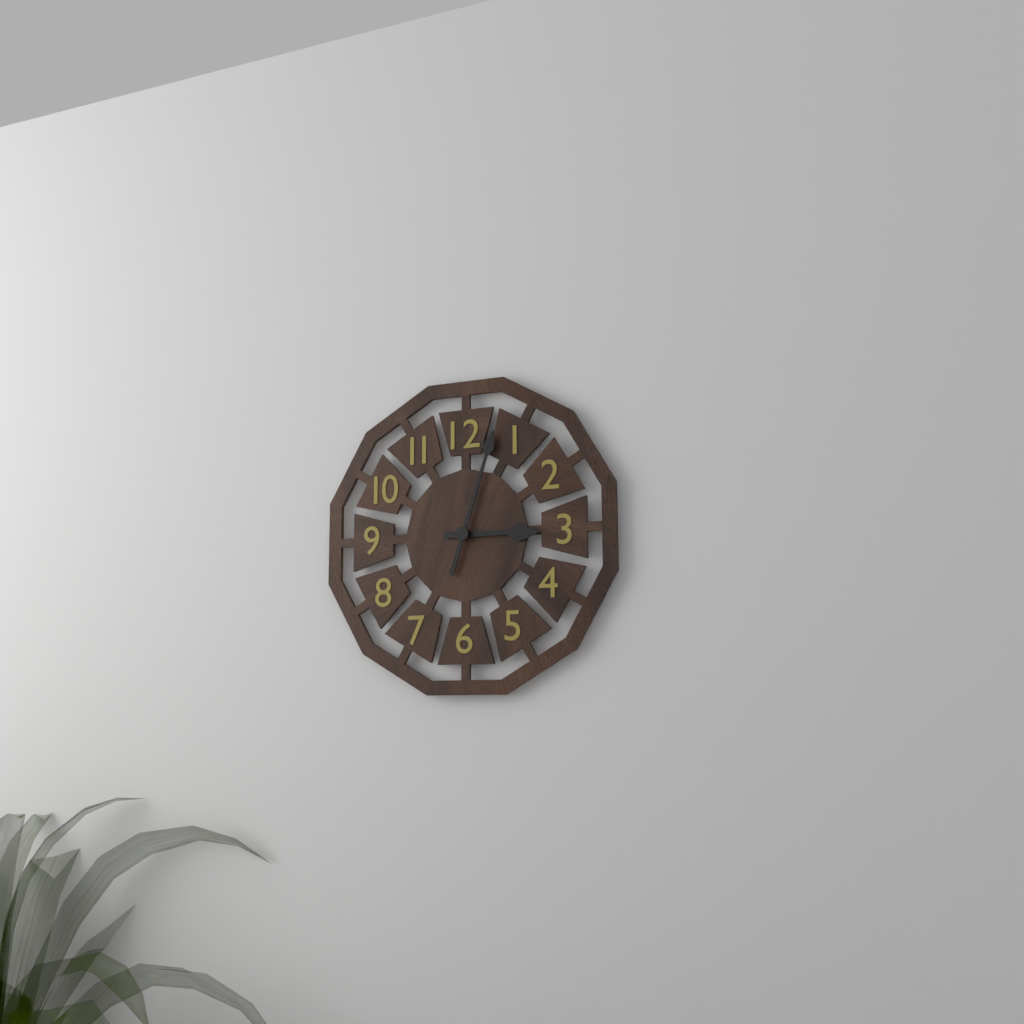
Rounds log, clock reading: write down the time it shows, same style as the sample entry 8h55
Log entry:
3h03
